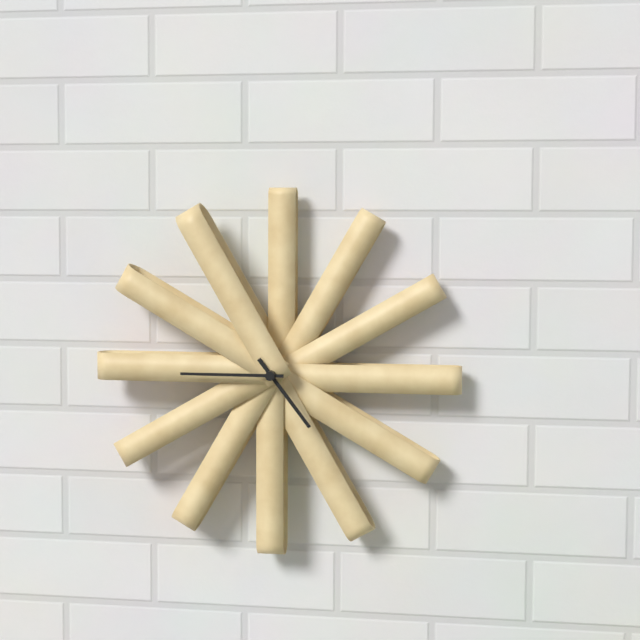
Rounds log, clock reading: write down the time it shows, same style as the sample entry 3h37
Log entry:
4h45
